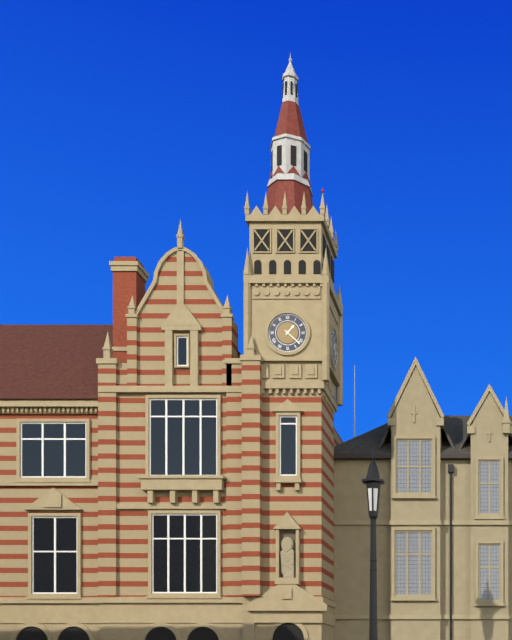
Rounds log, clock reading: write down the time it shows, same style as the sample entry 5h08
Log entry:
1h22
